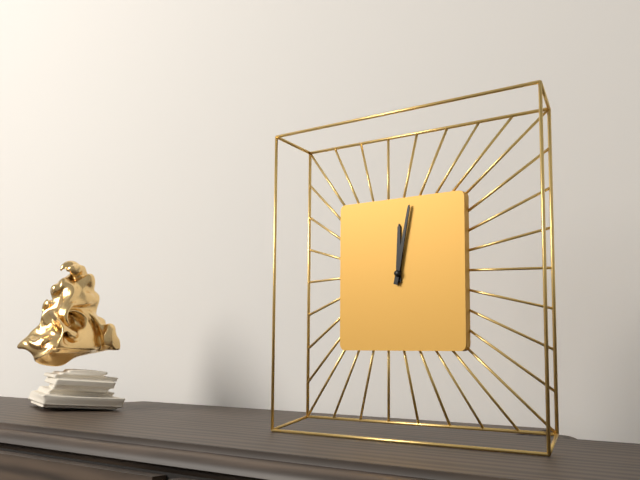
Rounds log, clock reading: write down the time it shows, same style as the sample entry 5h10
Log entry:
12h02
